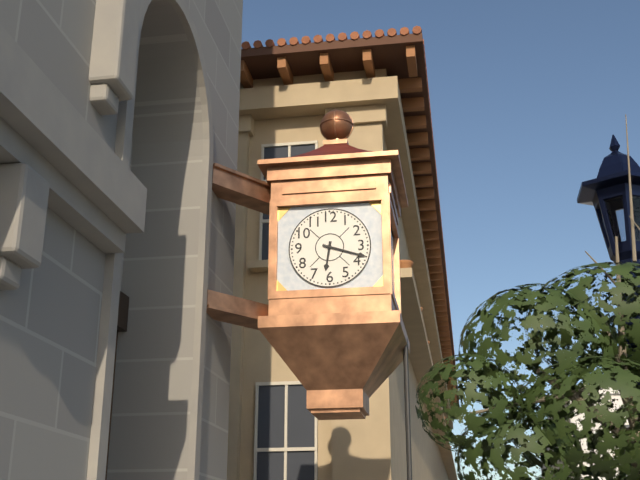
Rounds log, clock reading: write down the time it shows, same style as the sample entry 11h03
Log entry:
6h18
